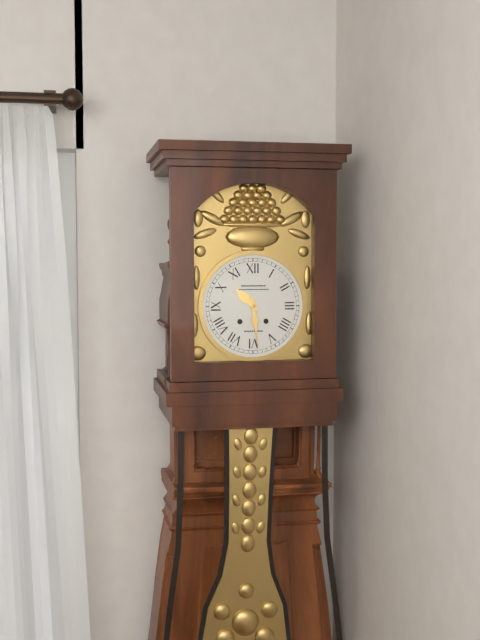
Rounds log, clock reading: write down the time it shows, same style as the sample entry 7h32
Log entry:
10h29
